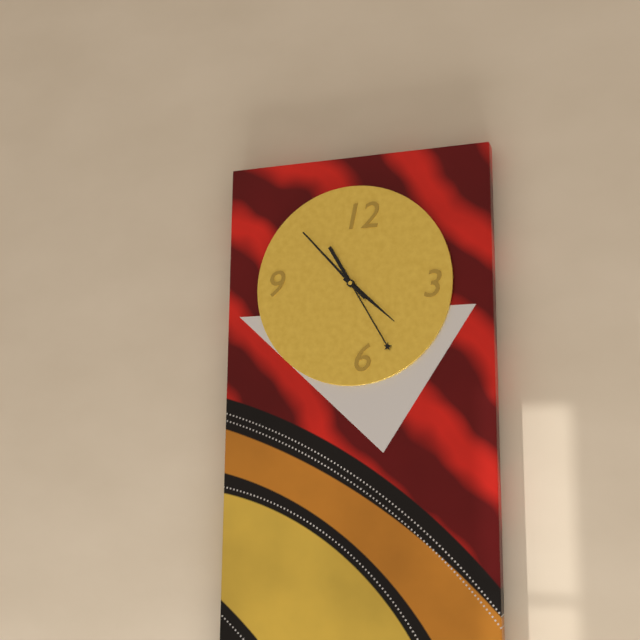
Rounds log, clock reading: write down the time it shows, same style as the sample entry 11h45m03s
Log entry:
4h25m53s
